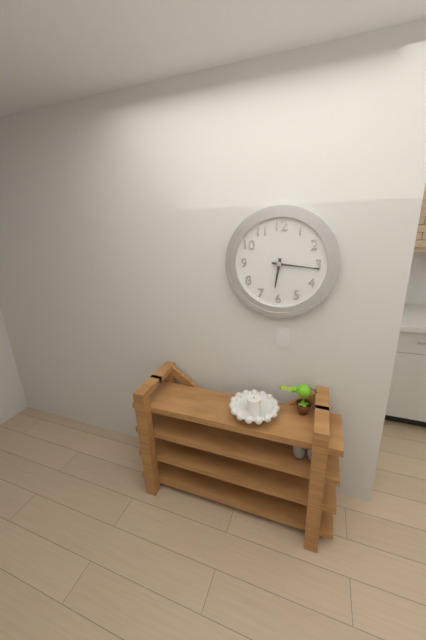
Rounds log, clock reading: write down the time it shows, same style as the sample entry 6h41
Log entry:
6h16
